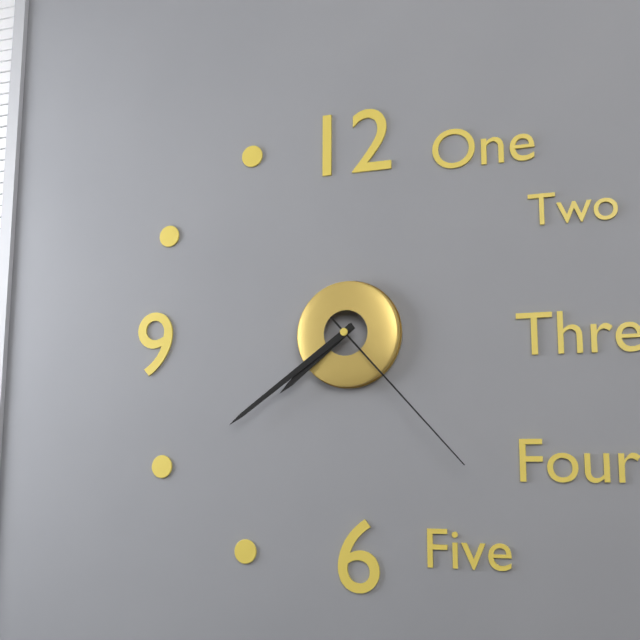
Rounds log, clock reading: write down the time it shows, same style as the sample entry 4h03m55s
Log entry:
7h39m23s
